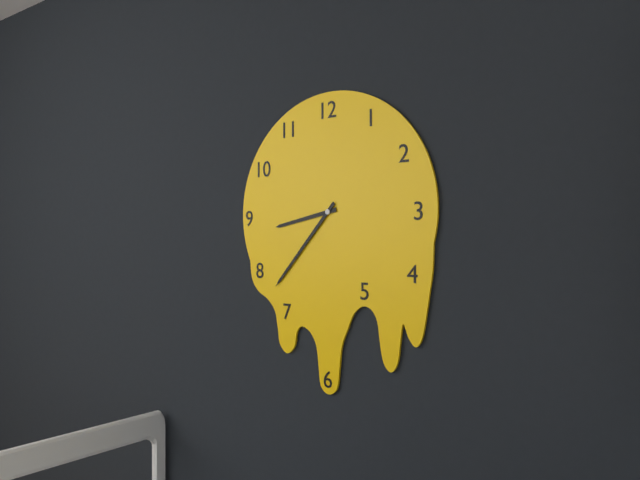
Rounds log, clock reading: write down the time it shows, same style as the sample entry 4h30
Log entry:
8h37
